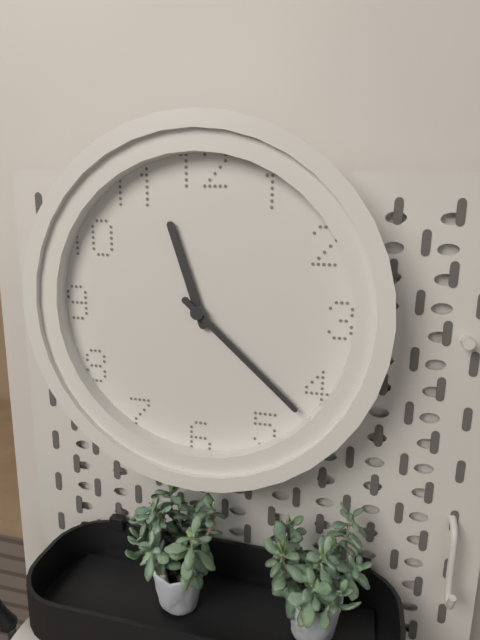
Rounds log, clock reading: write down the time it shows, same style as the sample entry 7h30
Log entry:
11h22
